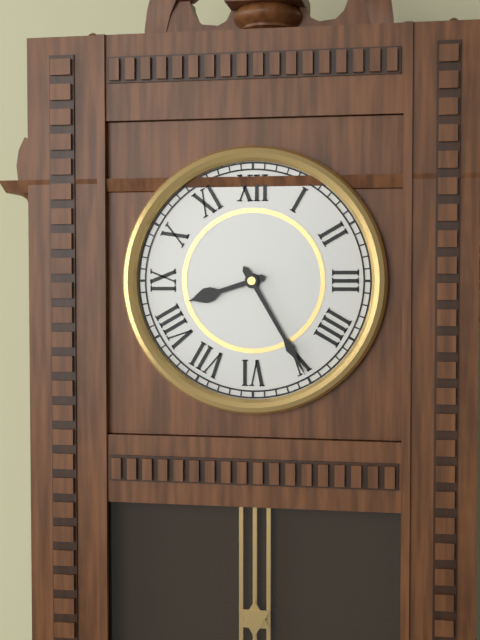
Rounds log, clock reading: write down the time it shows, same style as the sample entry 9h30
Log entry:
8h25
